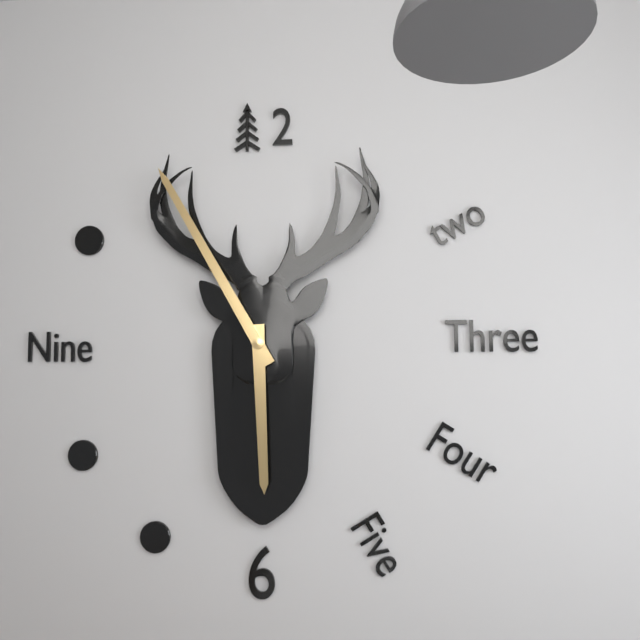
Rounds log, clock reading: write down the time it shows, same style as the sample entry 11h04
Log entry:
5h55
